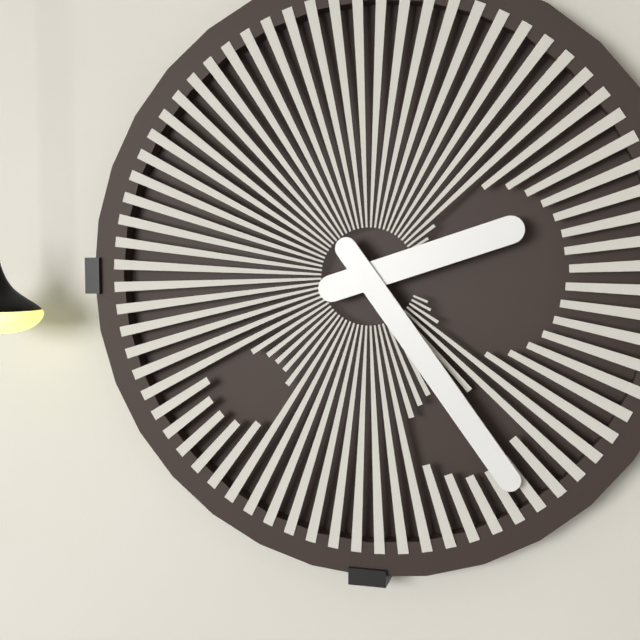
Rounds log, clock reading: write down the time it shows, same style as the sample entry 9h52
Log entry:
2h24
